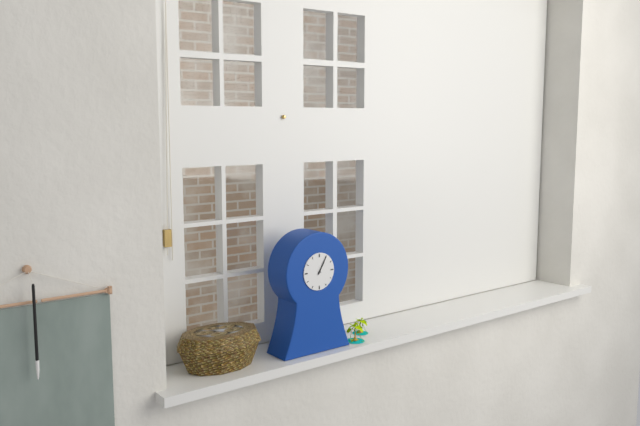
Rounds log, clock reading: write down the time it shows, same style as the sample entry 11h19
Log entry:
1h05
